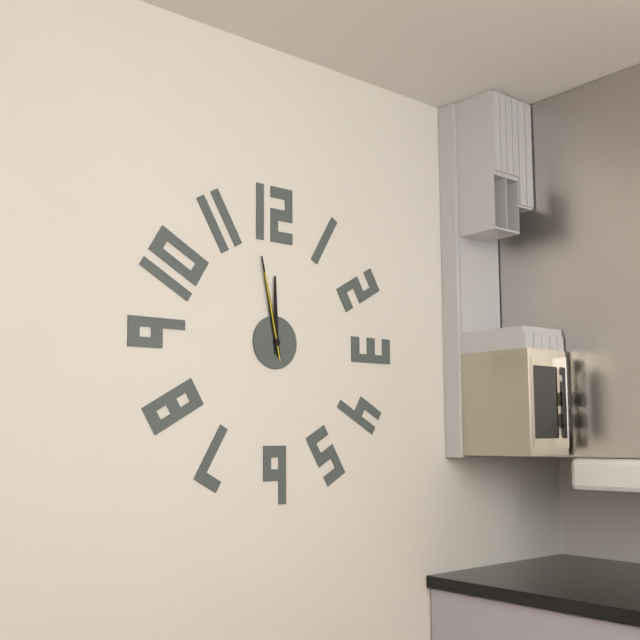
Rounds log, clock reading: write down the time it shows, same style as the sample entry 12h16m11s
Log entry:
11h58m58s
